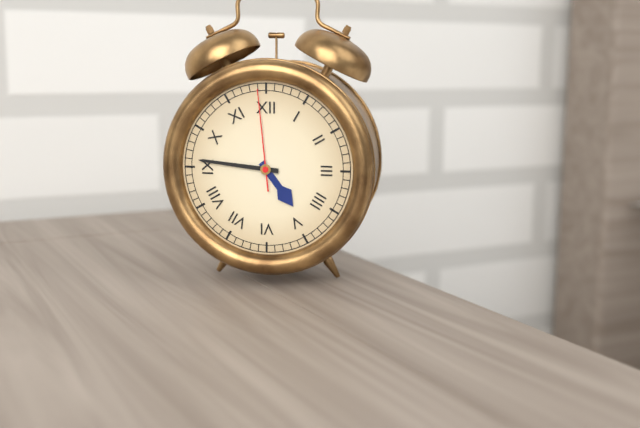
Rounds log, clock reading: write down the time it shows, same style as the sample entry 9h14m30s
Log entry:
4h46m59s
